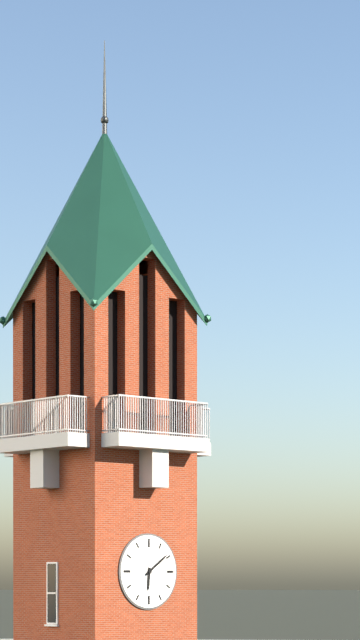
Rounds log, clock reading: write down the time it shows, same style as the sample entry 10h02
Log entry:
6h09
